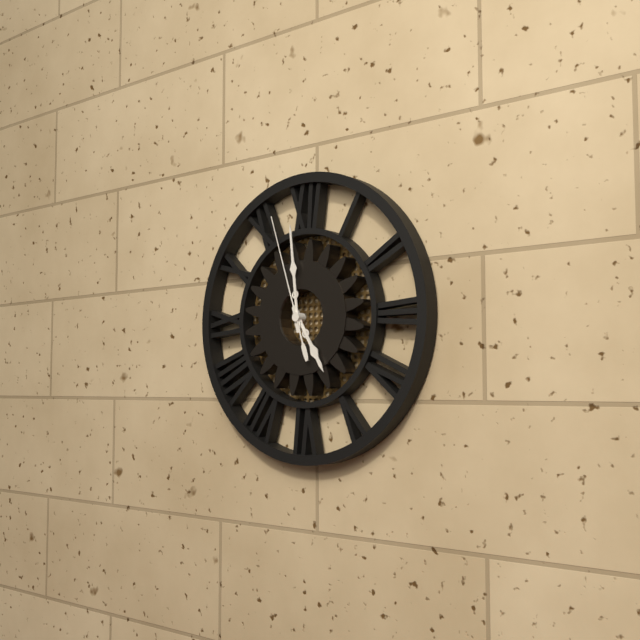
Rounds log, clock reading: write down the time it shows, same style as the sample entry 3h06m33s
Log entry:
4h59m57s
